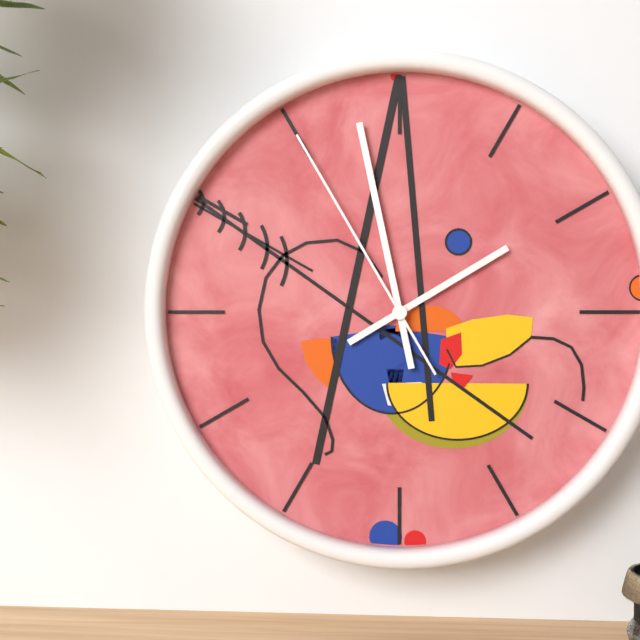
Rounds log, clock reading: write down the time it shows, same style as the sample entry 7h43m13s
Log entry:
1h58m55s
